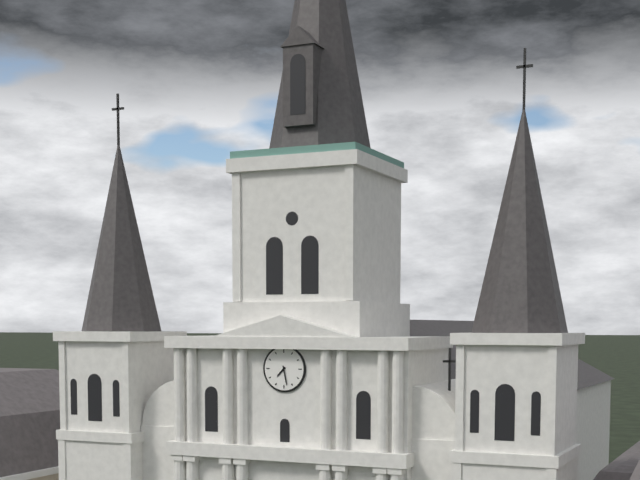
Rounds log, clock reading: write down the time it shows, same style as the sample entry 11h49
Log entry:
7h28
